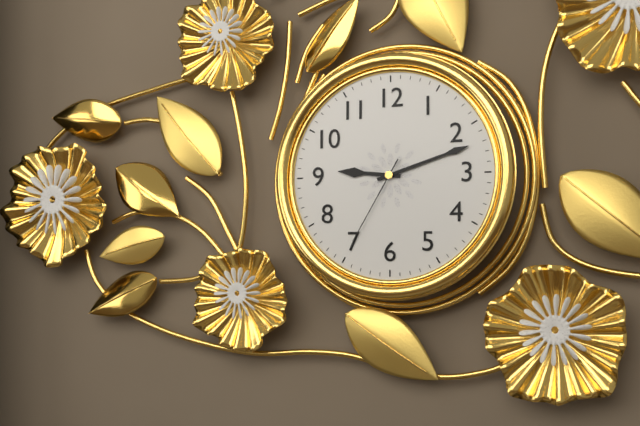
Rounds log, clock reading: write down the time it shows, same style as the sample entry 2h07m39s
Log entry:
9h12m35s
